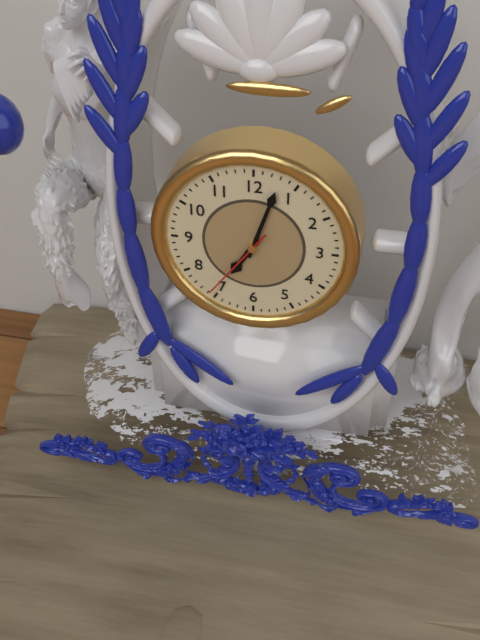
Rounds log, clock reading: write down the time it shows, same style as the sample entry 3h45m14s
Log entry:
7h03m36s
